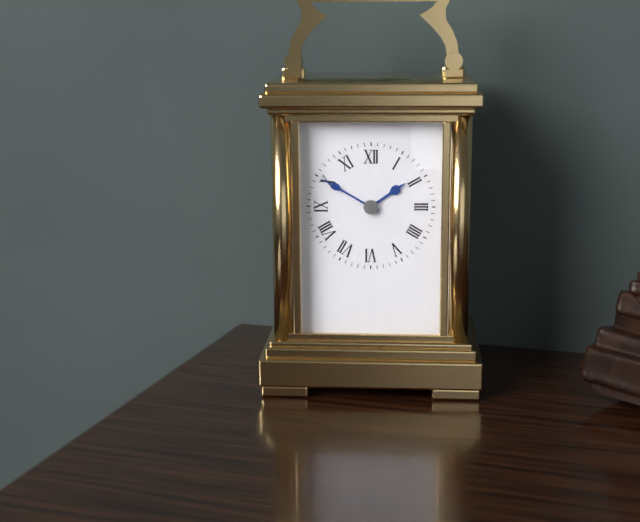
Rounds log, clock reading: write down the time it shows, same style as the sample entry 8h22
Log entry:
1h50
